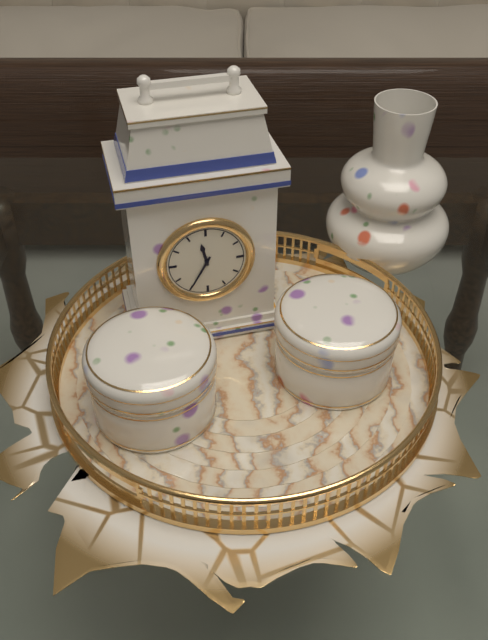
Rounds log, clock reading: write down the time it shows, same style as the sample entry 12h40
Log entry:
11h35
